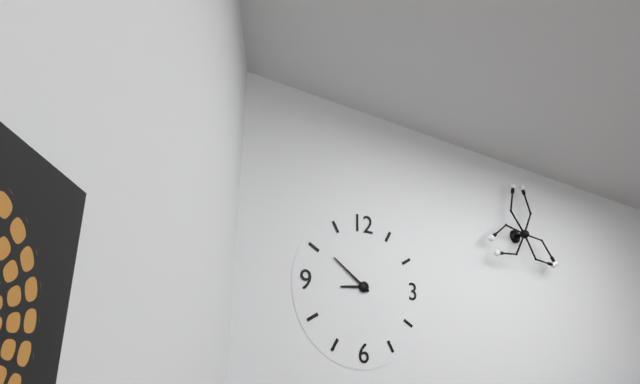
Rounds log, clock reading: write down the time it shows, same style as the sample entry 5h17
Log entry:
8h51
